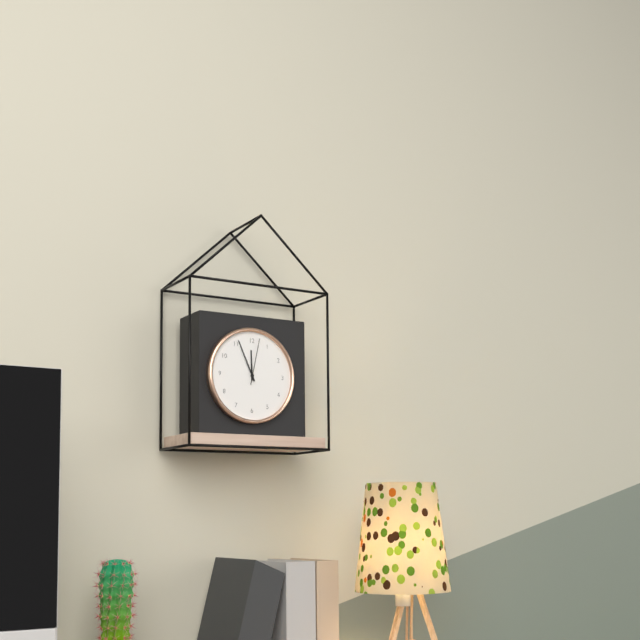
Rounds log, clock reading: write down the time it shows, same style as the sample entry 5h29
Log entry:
11h56
